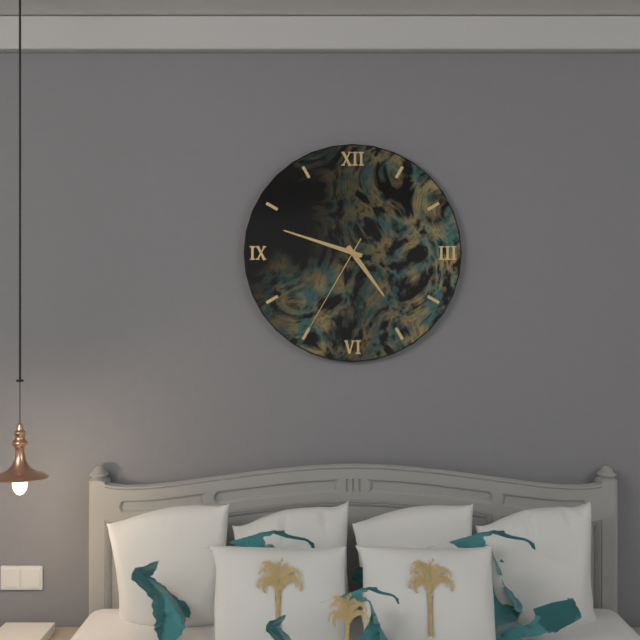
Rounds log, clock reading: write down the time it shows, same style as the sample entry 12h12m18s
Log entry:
4h48m35s
